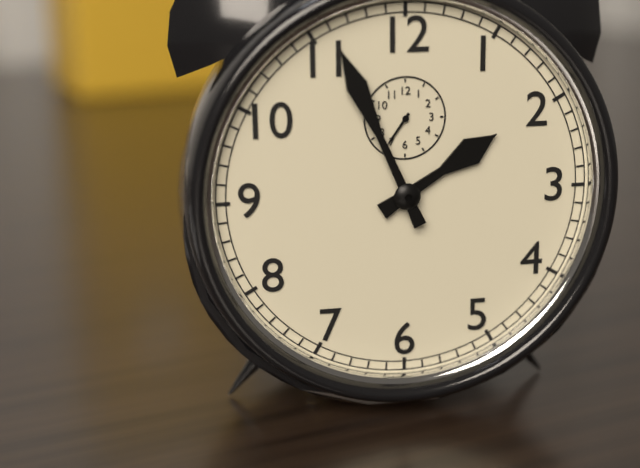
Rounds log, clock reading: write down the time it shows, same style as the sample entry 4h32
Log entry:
1h56
